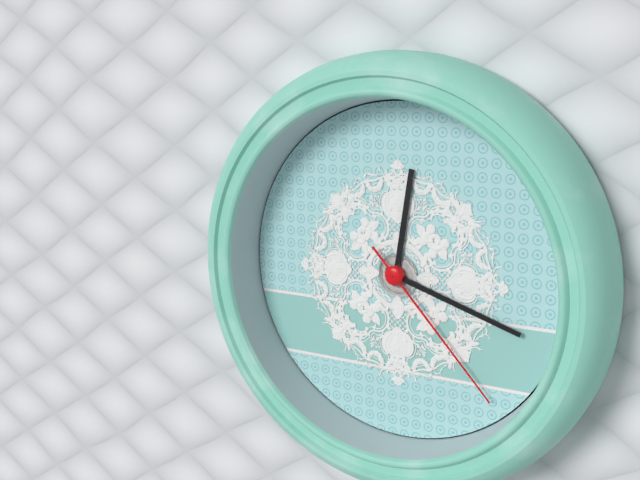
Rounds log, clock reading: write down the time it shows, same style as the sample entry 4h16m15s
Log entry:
12h18m23s
